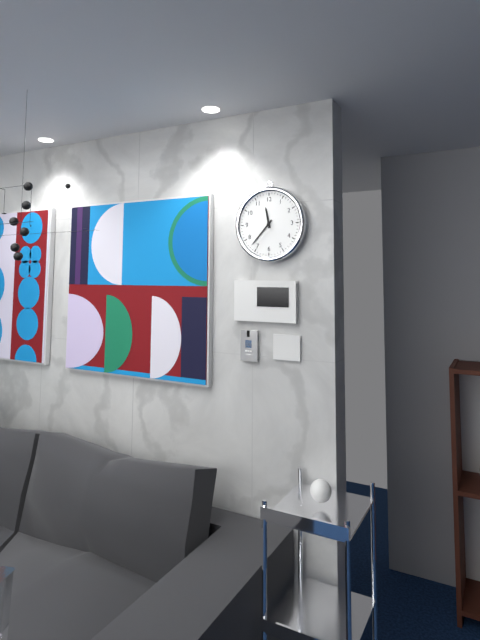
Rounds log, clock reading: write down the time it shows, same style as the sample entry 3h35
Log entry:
11h37
